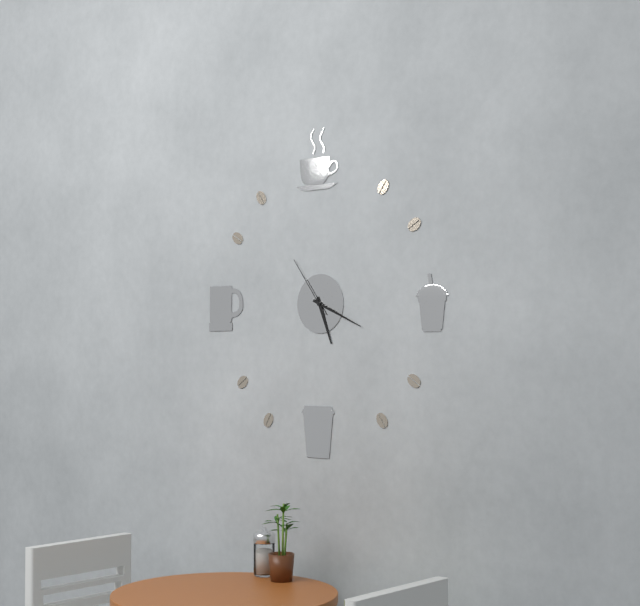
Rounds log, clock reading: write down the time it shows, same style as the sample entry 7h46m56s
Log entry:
5h19m54s
